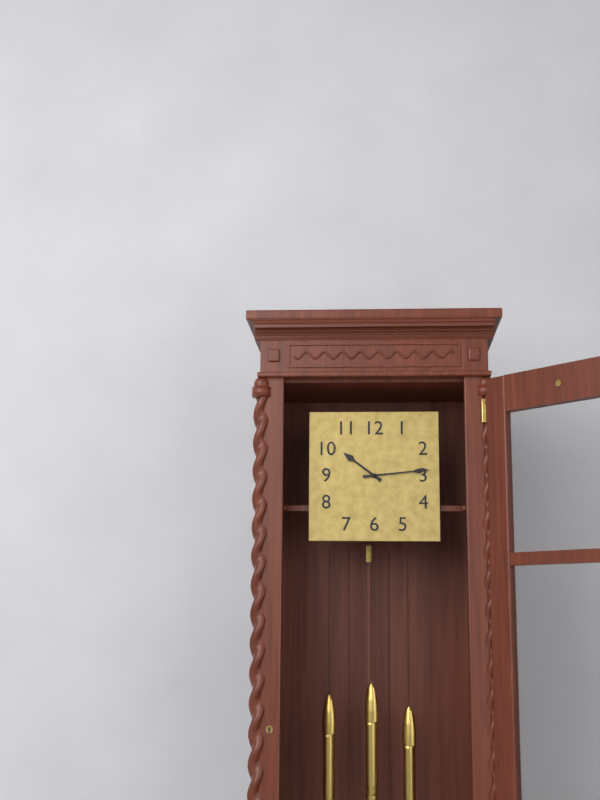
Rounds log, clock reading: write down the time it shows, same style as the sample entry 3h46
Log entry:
10h14
